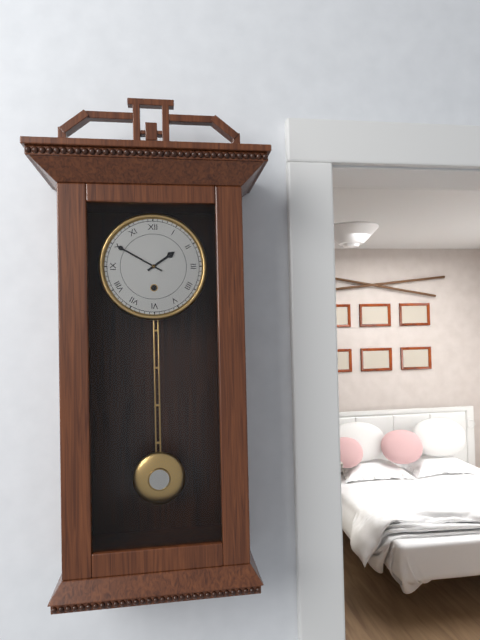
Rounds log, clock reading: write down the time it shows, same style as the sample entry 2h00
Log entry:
1h50
